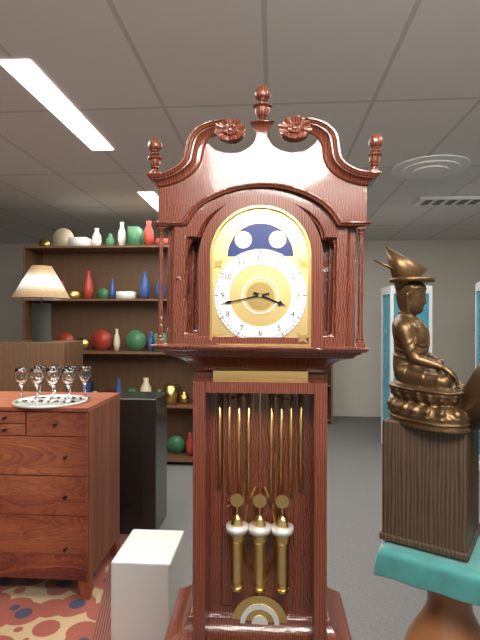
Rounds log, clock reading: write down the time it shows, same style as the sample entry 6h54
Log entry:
3h43
